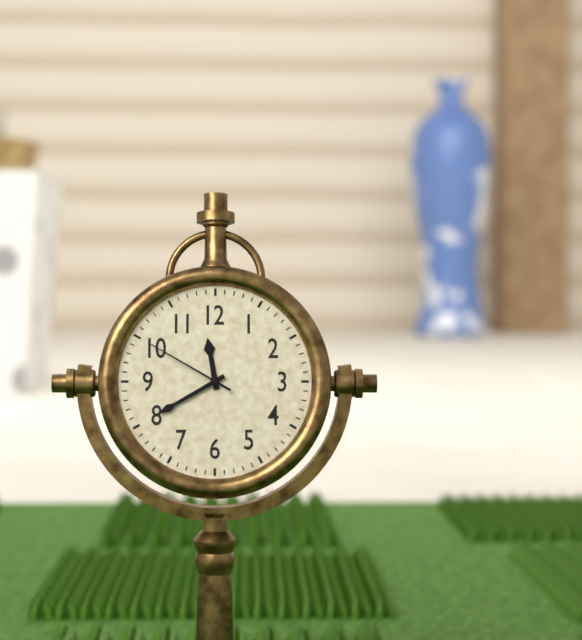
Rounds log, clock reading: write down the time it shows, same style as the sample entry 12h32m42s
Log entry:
11h40m50s
